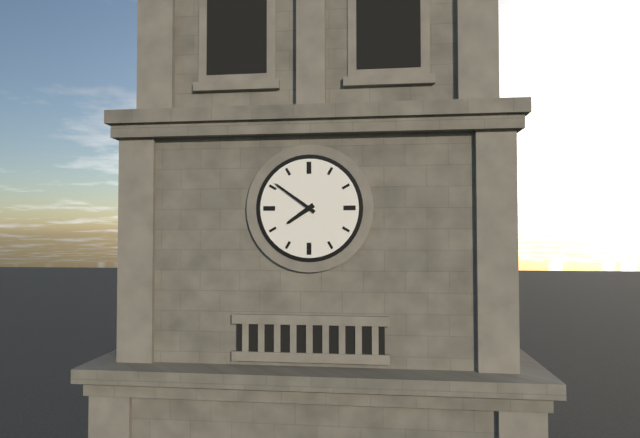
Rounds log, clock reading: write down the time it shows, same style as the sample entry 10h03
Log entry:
7h51
